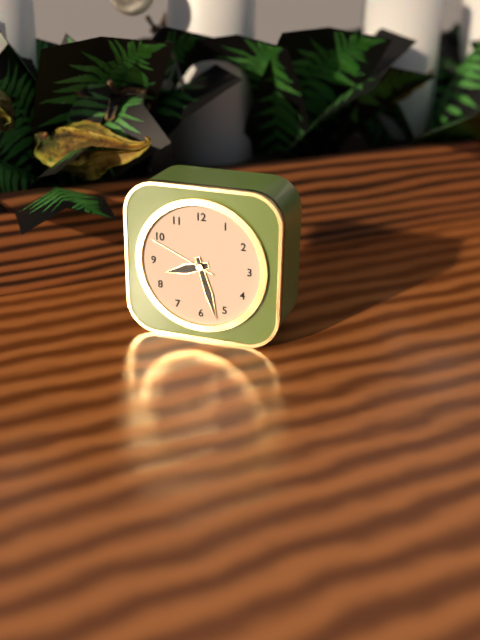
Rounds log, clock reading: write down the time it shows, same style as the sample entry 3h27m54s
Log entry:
8h27m49s
